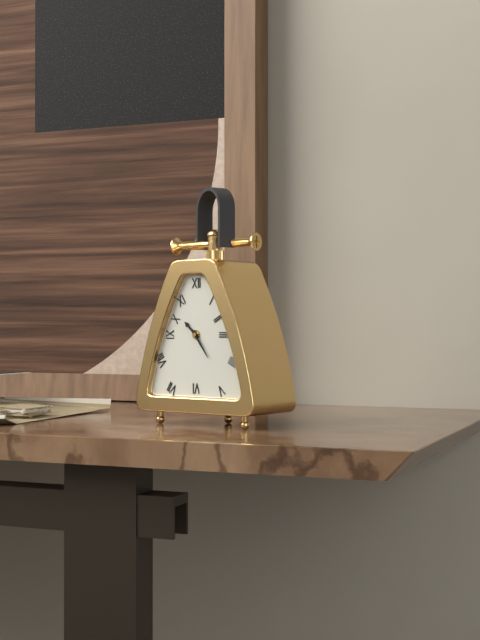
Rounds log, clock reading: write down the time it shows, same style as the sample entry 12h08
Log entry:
10h24
